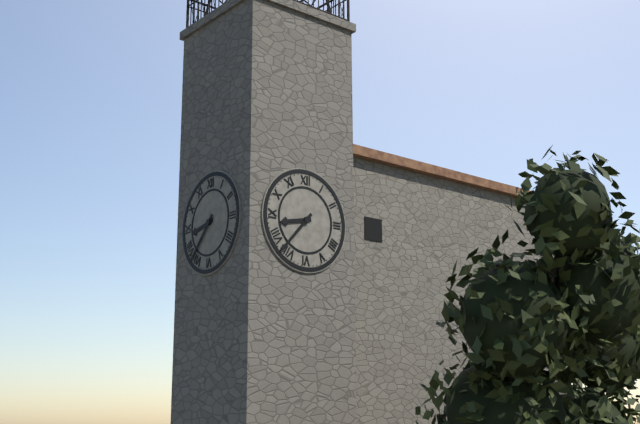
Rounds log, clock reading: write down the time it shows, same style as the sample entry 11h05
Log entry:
8h37
